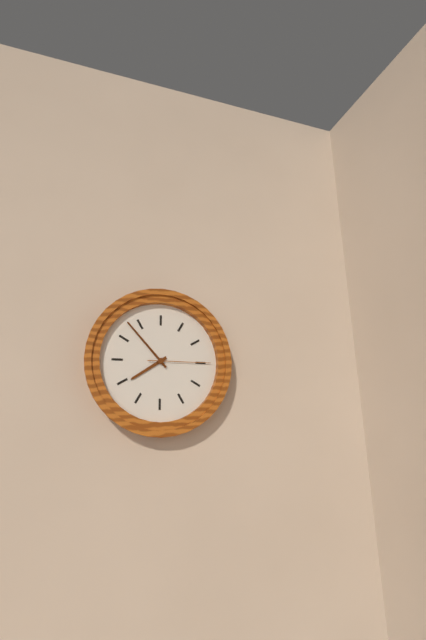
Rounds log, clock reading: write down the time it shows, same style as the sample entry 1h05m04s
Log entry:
7h53m15s
